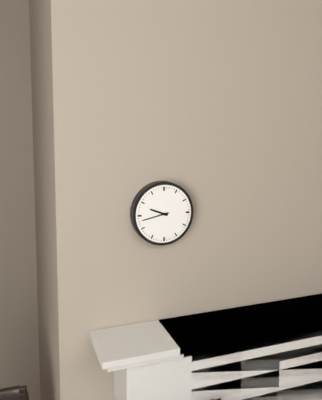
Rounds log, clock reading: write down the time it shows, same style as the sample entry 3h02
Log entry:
9h43
